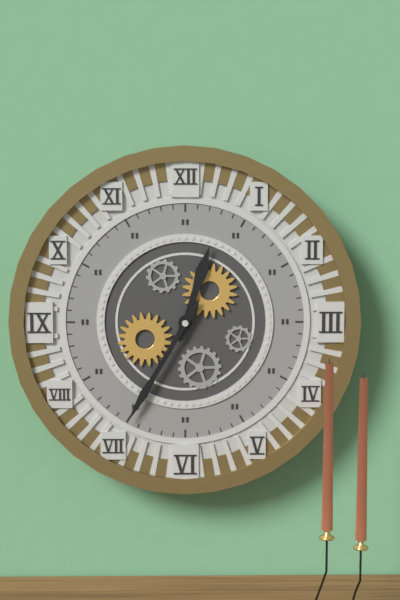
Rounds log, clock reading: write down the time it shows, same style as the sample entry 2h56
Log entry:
12h35
